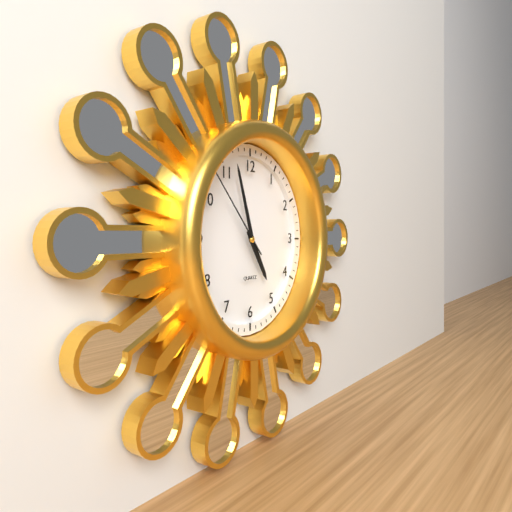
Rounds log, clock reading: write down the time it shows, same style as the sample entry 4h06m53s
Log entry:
4h57m53s
